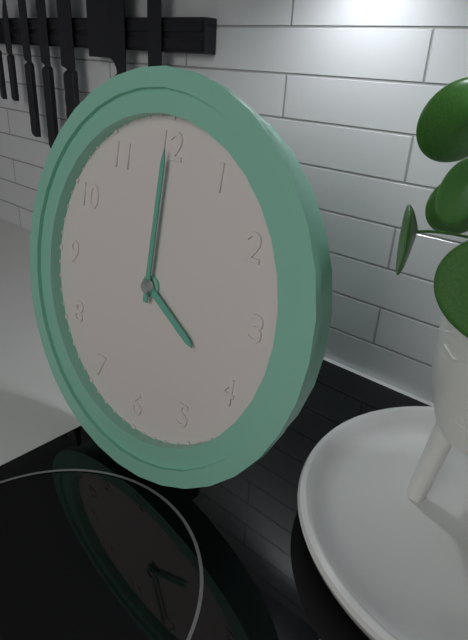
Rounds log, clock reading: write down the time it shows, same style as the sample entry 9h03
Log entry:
4h00
